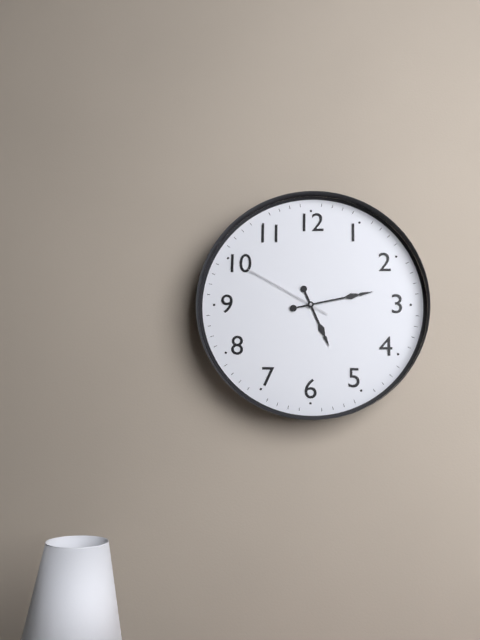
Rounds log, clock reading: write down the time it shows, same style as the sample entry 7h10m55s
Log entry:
5h13m50s
